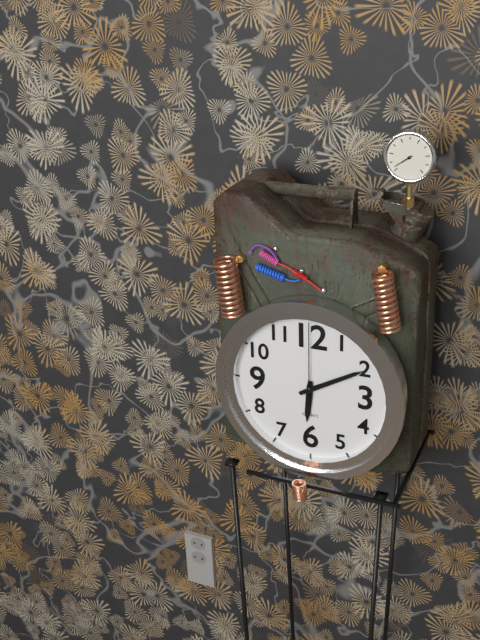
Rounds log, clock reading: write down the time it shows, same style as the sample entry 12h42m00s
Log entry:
6h10m00s
